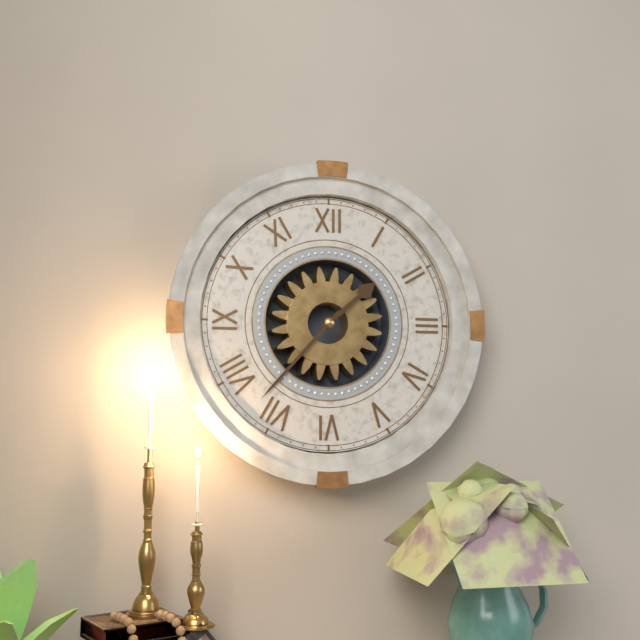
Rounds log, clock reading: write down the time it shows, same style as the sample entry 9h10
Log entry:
1h37
